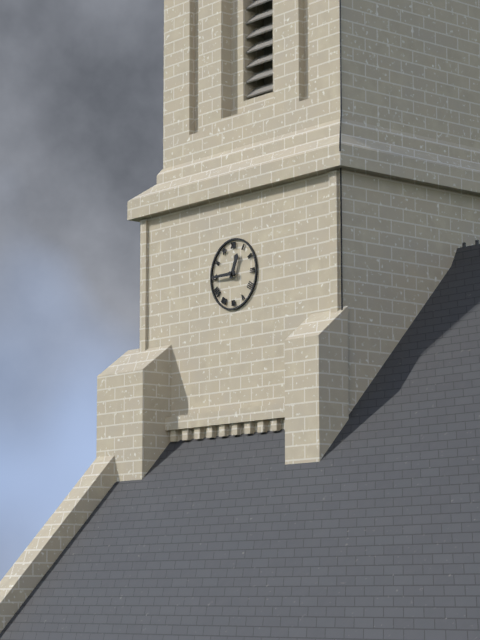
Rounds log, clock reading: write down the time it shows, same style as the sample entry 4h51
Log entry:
12h45
